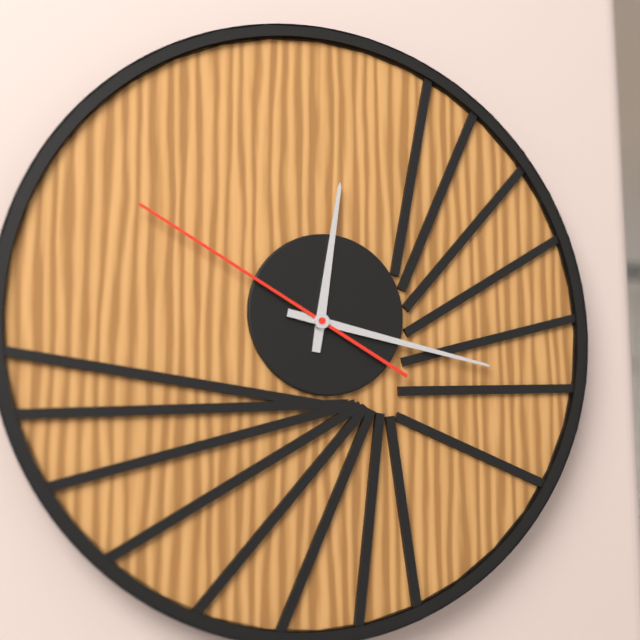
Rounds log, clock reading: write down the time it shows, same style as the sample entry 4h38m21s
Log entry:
12h17m50s
